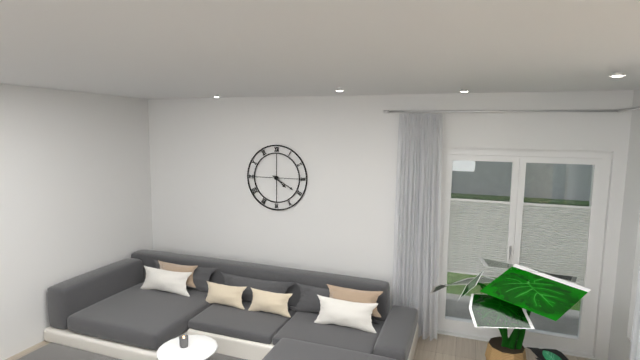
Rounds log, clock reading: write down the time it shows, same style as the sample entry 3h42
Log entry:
4h20
